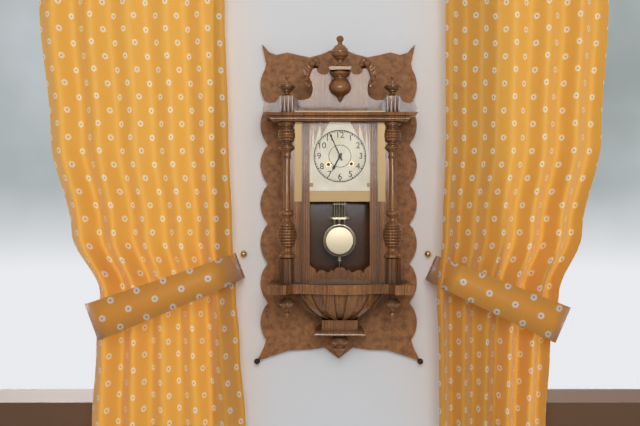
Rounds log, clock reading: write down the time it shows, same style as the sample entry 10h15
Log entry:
6h56
